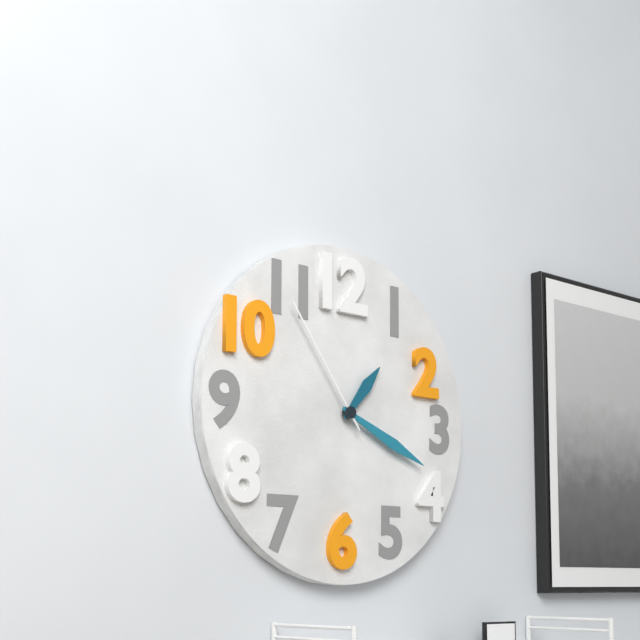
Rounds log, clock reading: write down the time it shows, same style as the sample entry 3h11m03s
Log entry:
1h19m54s
